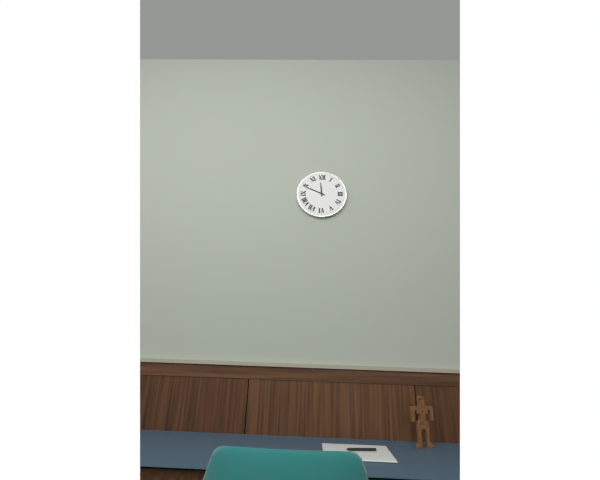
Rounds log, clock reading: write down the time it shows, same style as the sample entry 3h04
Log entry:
11h49
